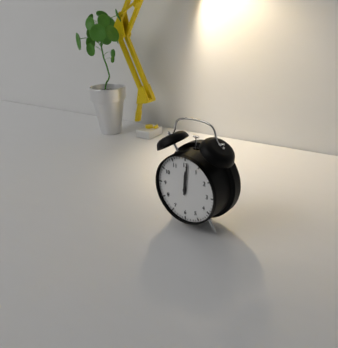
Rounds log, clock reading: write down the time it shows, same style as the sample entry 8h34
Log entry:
12h01
